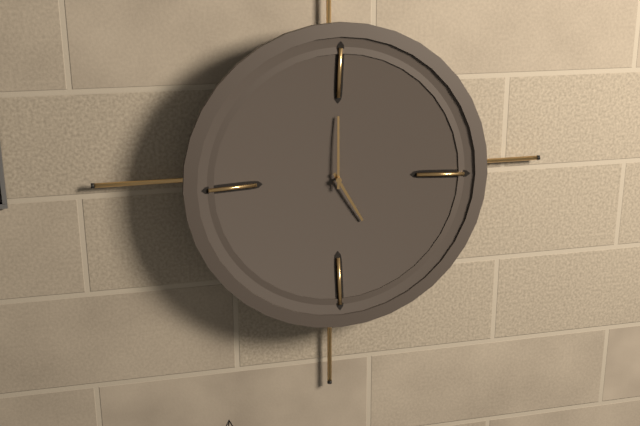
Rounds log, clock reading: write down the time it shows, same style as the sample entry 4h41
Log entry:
5h00
